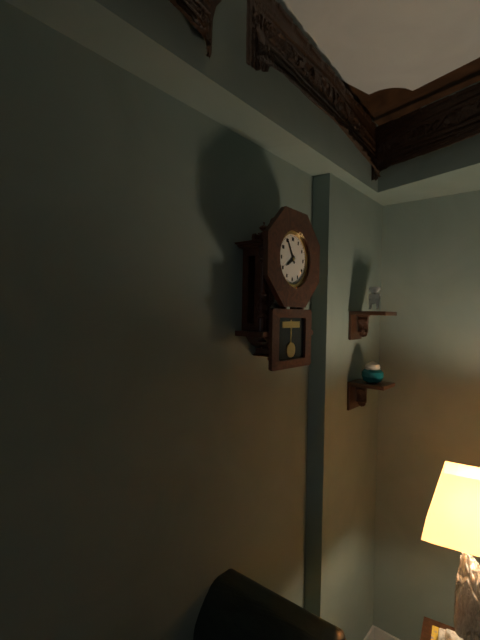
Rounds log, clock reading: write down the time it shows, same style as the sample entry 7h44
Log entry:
7h55
